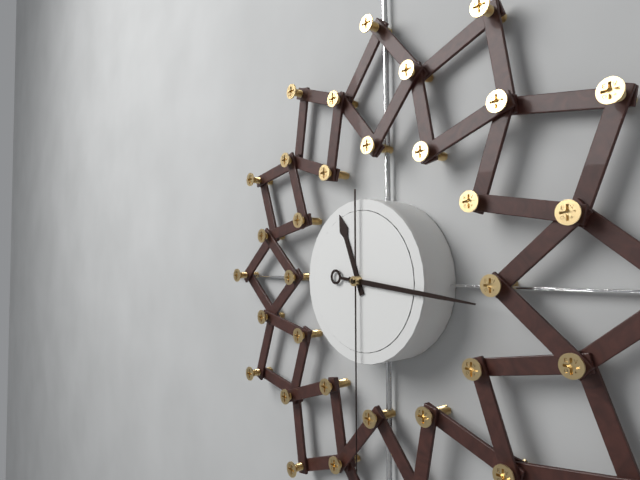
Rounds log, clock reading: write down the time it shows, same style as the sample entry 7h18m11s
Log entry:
11h16m30s
